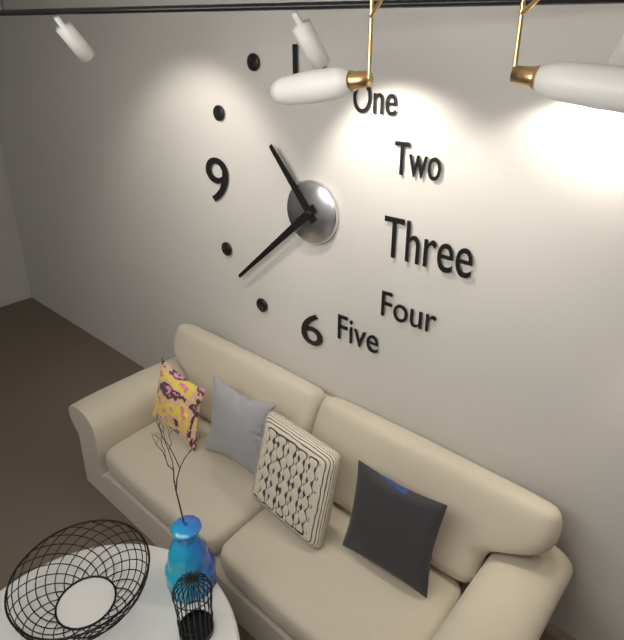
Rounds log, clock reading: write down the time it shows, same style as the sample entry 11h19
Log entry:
10h38
